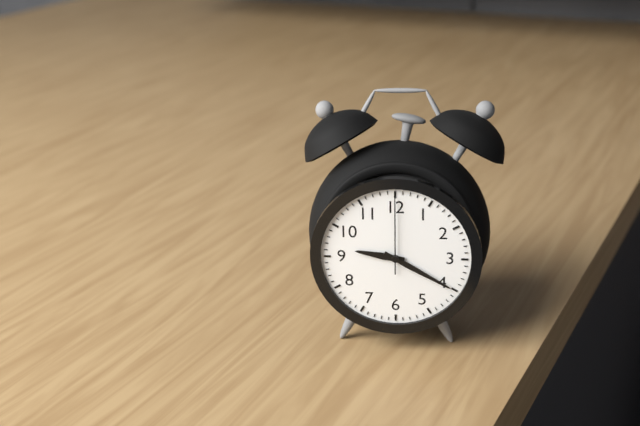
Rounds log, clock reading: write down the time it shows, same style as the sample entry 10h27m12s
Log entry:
9h20m00s
